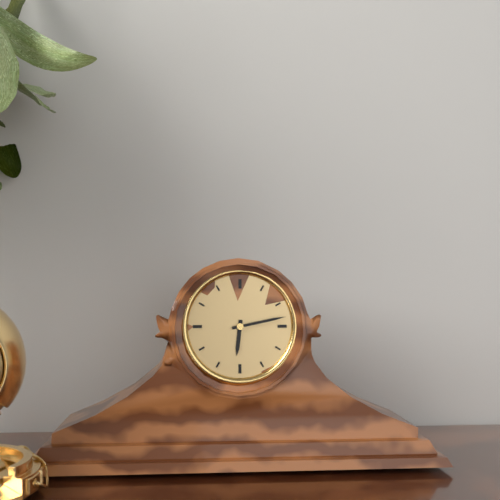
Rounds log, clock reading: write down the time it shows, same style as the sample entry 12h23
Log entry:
6h13
